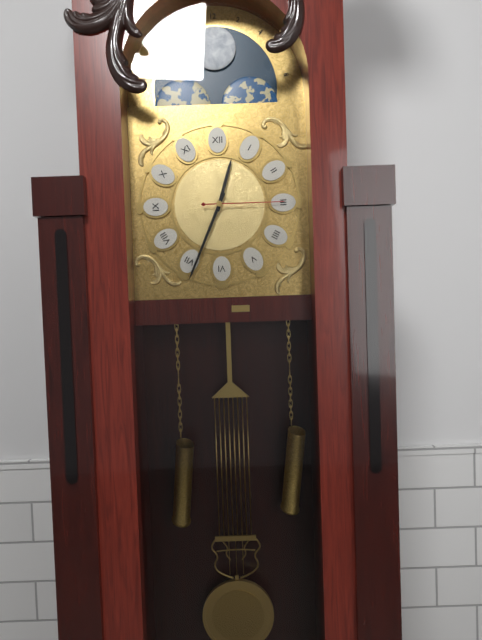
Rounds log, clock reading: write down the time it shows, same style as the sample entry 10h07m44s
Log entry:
12h34m15s
